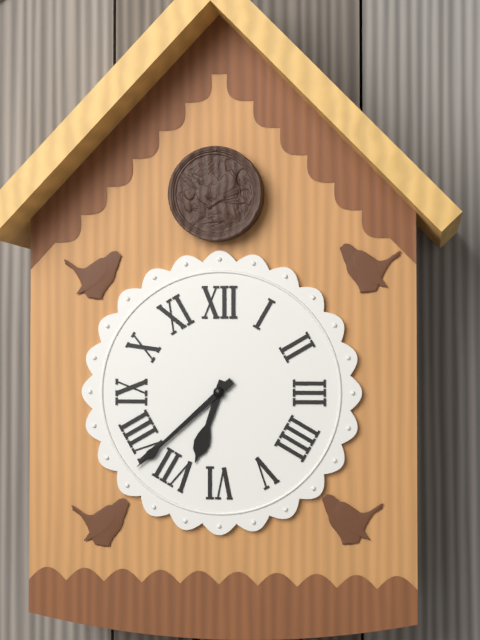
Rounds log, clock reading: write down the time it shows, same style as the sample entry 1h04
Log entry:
6h38
